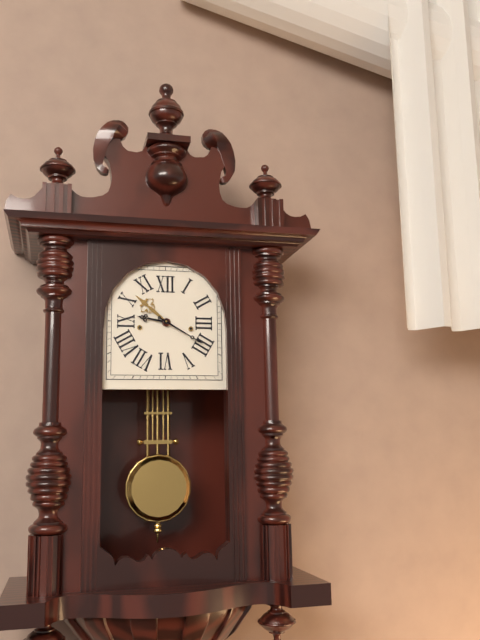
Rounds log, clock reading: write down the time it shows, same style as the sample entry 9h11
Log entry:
9h20
